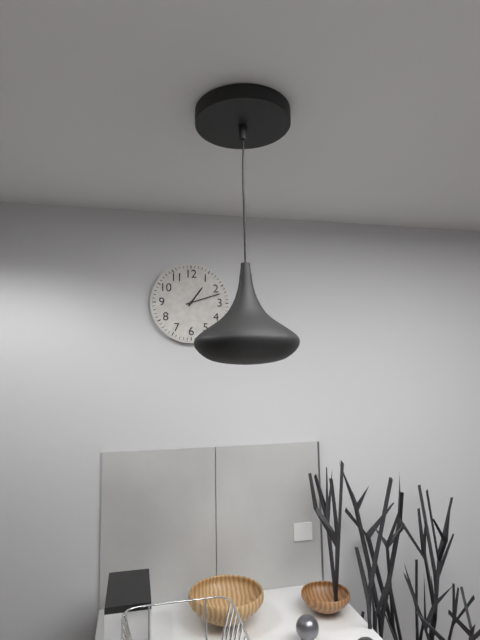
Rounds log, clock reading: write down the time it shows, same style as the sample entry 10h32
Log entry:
1h12
